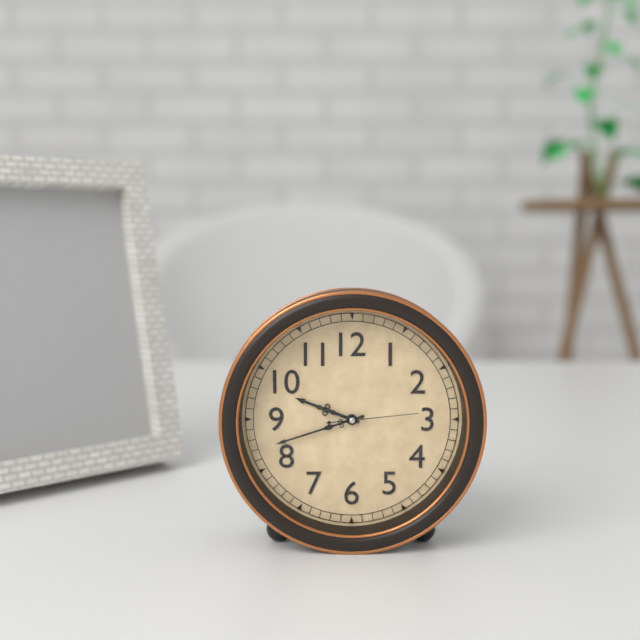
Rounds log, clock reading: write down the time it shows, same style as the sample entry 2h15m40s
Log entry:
9h42m14s
